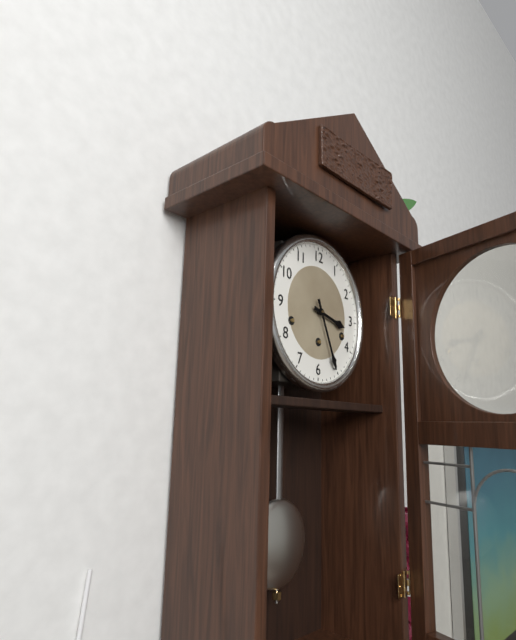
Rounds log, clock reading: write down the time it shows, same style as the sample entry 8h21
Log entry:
3h26
